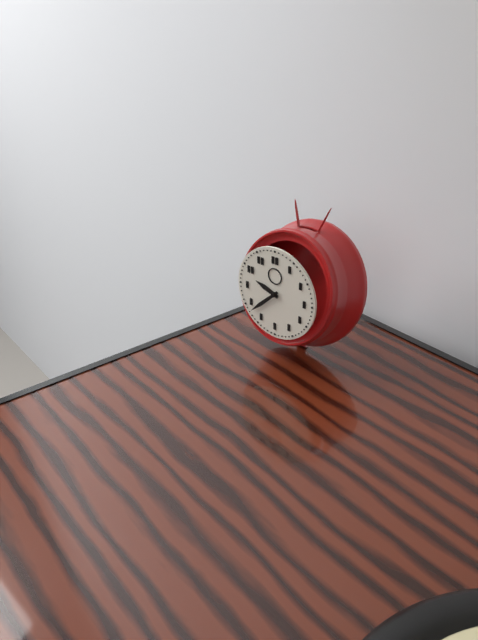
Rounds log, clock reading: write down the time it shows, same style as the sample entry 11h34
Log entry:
9h38
